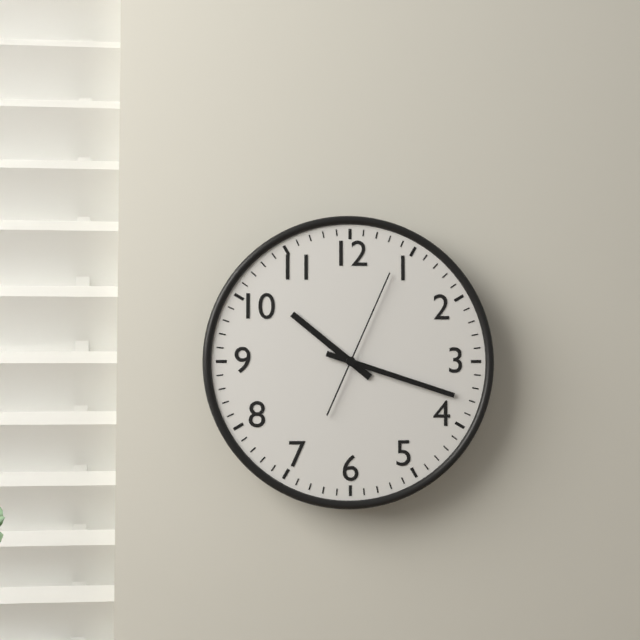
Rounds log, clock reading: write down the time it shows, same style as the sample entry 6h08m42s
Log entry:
10h18m04s
